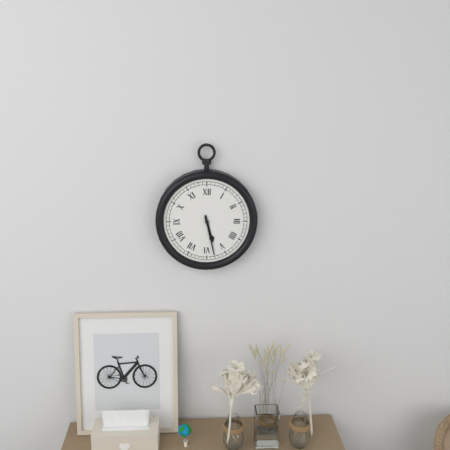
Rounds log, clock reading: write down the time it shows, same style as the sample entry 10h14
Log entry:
5h28
